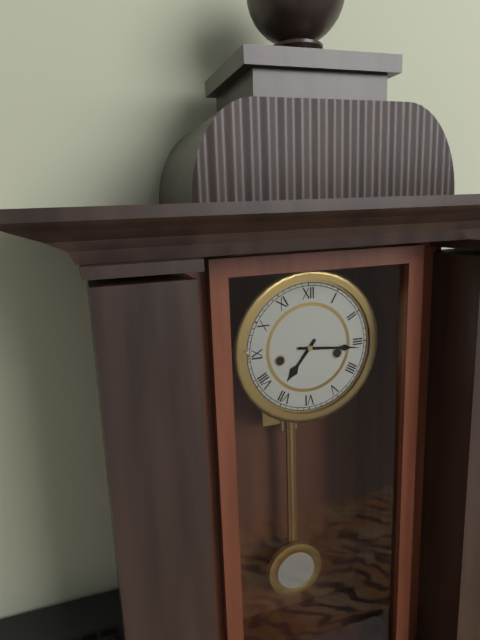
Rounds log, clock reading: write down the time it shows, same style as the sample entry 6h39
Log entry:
7h16
